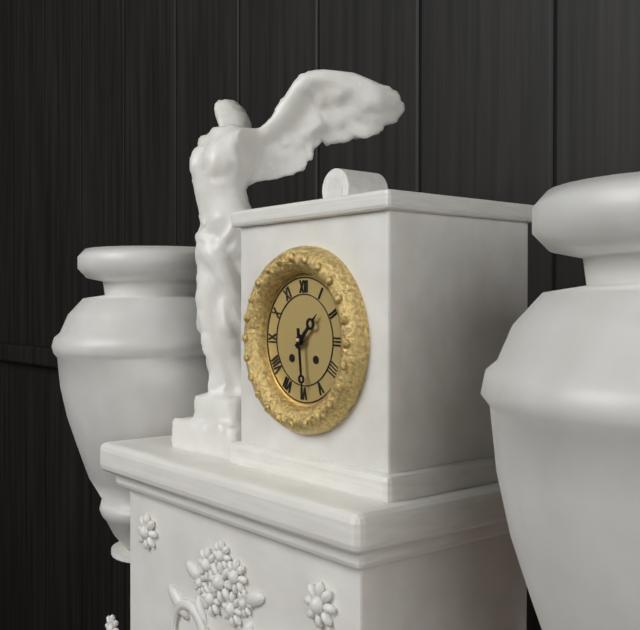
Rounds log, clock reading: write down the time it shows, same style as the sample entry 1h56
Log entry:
1h29
